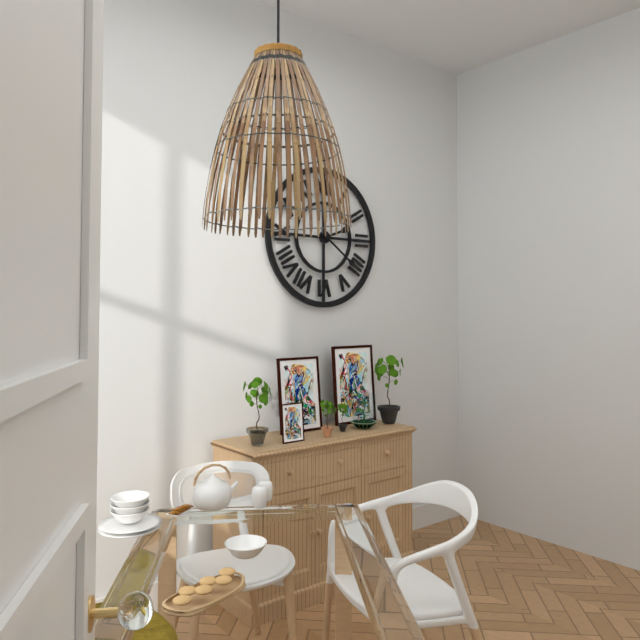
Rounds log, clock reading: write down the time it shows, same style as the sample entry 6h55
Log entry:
2h21
